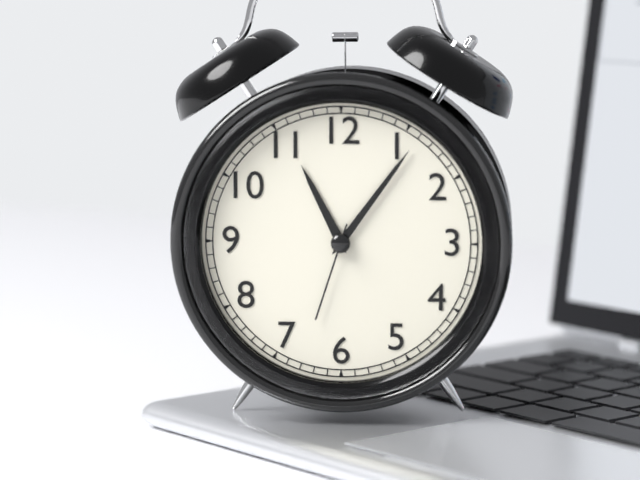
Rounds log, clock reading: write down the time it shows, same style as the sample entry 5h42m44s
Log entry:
11h06m33s
